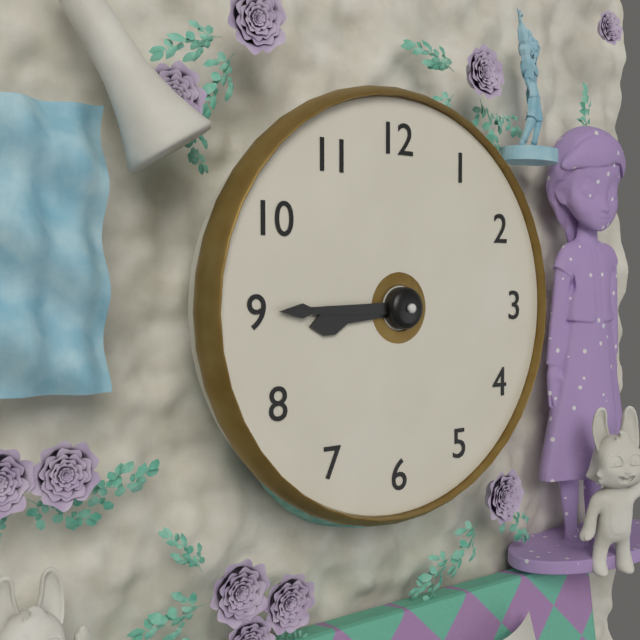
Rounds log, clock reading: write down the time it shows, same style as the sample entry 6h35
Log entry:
8h45
